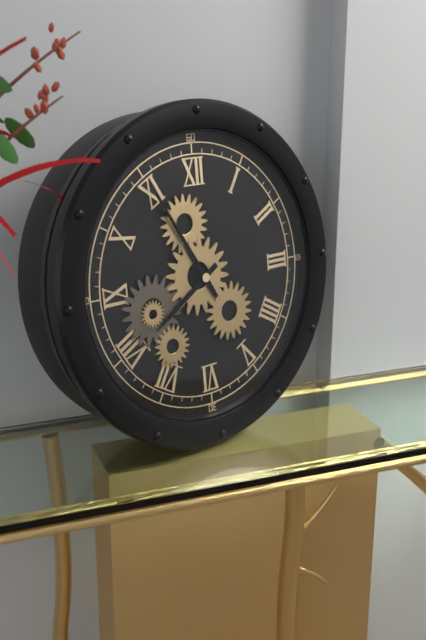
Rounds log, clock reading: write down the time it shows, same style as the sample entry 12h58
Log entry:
7h55
